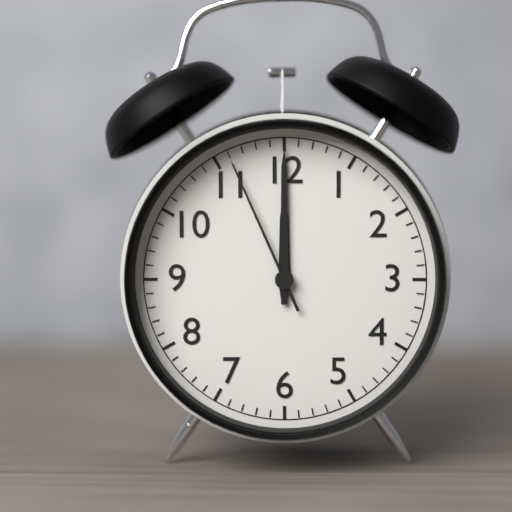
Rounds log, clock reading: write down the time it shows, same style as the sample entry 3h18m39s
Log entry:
12h00m56s
